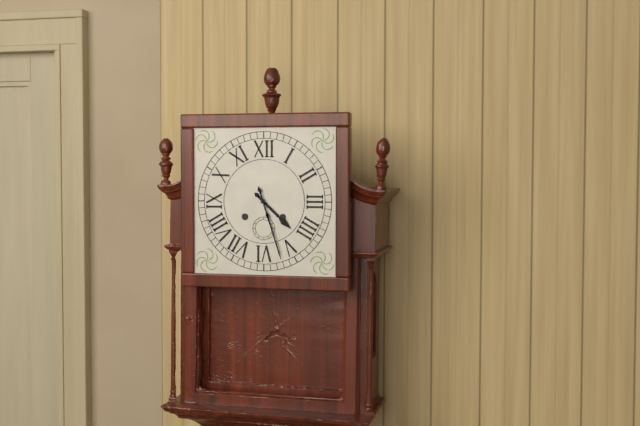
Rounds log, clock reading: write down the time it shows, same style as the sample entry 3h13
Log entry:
4h27
